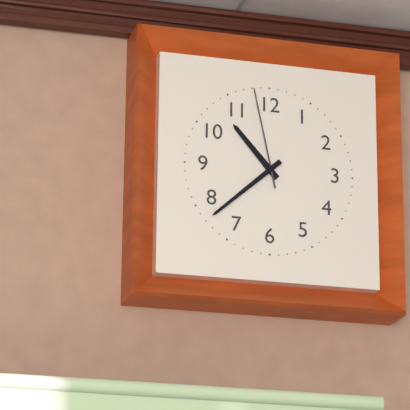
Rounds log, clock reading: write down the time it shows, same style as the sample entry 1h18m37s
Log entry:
10h38m58s
